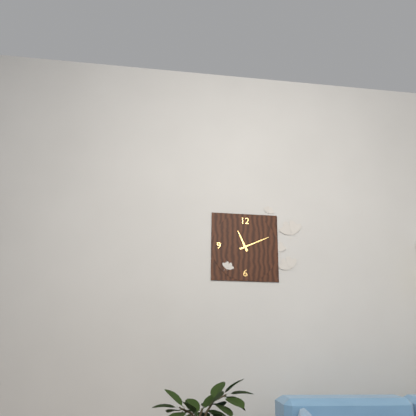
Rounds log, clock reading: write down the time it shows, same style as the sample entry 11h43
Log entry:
11h11
